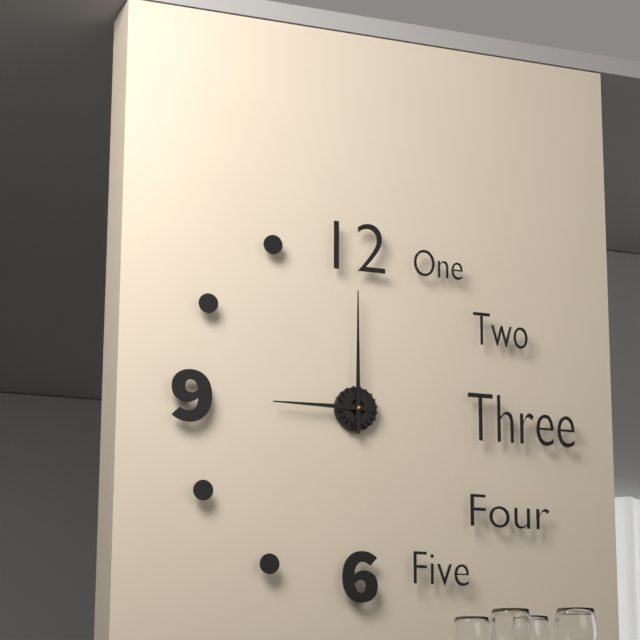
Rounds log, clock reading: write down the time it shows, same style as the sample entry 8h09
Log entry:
9h00
